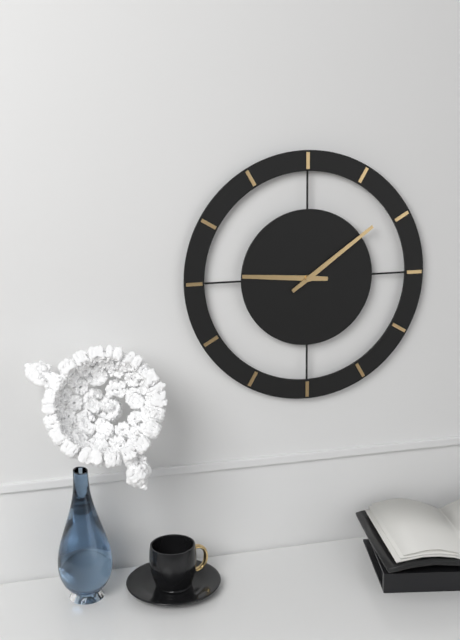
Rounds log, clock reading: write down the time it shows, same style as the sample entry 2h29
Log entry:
9h09
